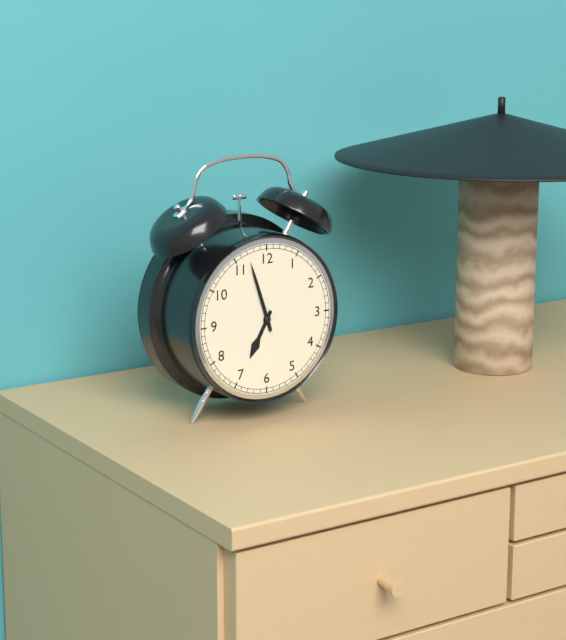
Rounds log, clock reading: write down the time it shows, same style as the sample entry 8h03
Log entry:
6h57
